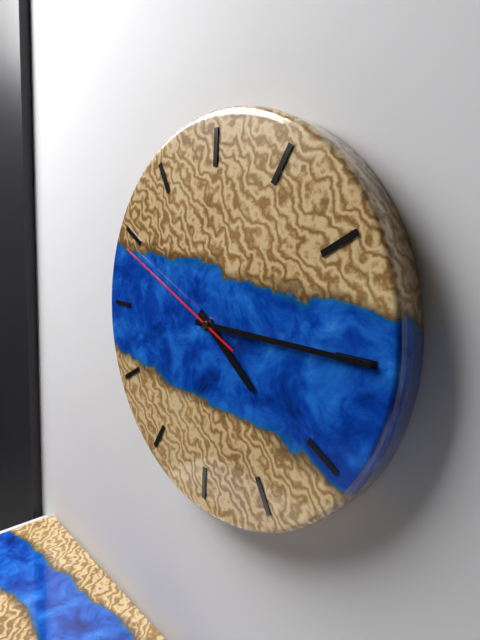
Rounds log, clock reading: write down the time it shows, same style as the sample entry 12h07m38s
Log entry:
4h15m49s
